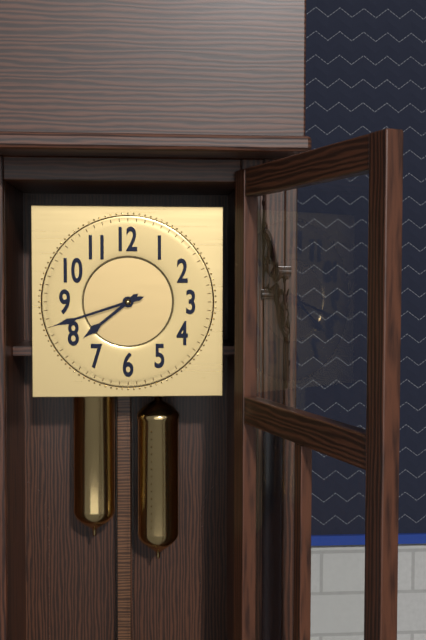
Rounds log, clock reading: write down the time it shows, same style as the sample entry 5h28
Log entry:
7h42
